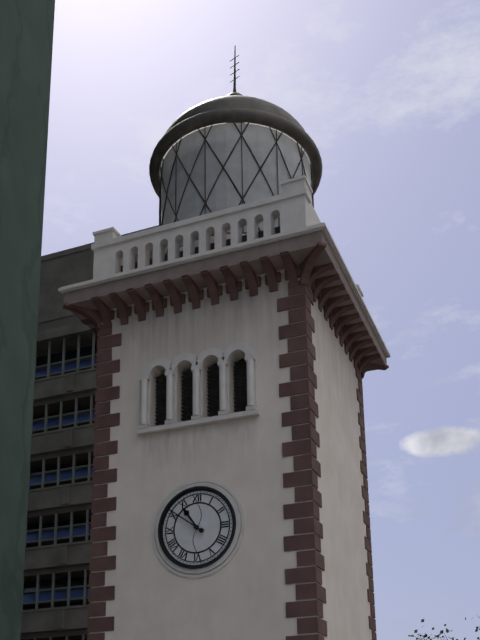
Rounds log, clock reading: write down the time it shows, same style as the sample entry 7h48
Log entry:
10h51
